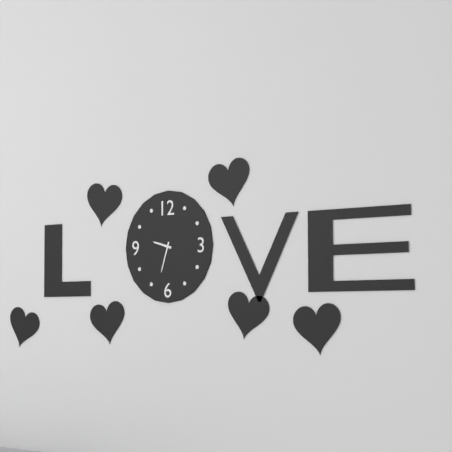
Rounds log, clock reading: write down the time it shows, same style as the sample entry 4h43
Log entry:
9h33
